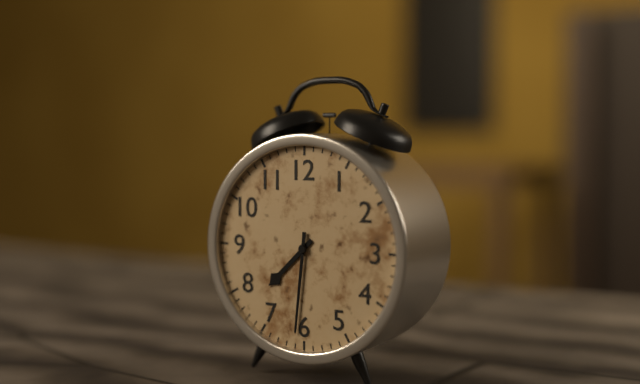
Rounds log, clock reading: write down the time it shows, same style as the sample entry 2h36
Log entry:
7h31
